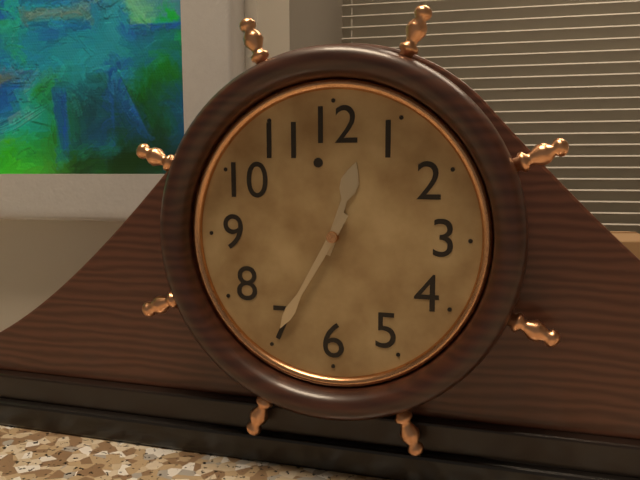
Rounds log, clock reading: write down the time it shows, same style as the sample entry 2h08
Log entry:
12h35
